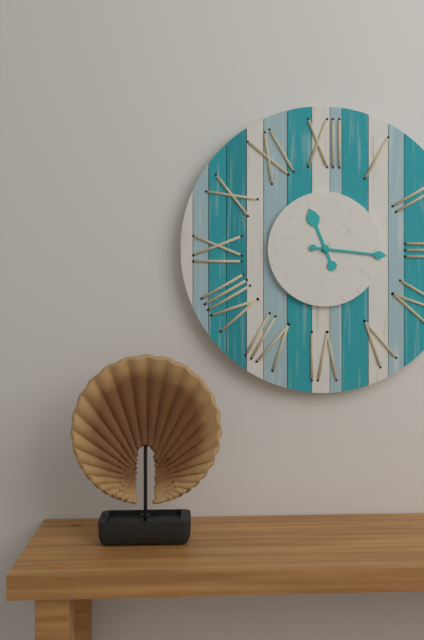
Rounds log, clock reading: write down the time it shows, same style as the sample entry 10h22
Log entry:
11h16
